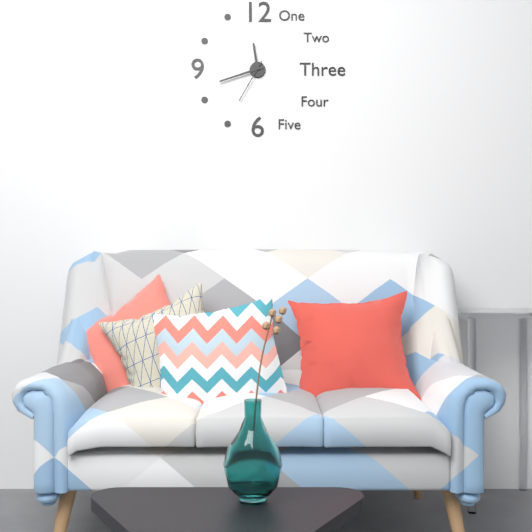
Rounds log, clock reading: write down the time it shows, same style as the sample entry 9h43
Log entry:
11h42
